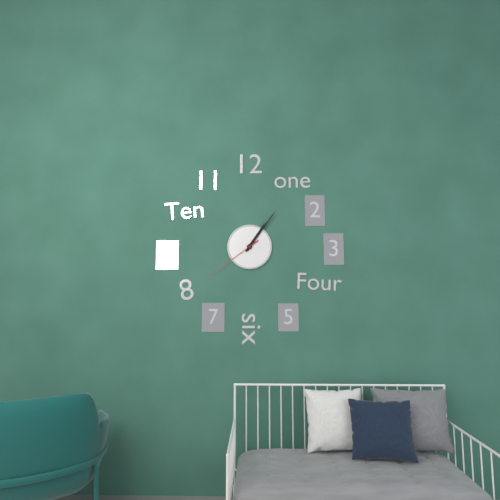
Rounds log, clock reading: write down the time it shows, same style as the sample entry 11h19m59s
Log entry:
1h06m39s
